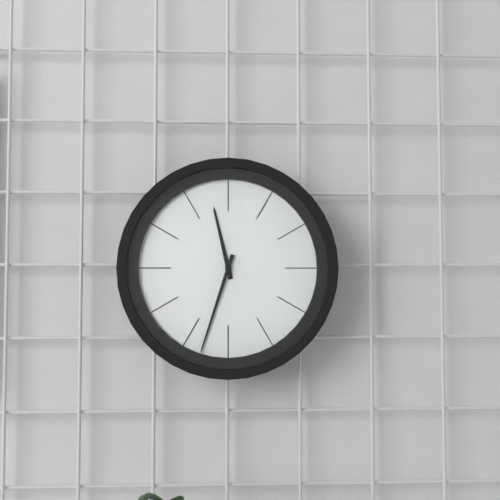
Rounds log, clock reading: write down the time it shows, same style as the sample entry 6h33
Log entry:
11h33
